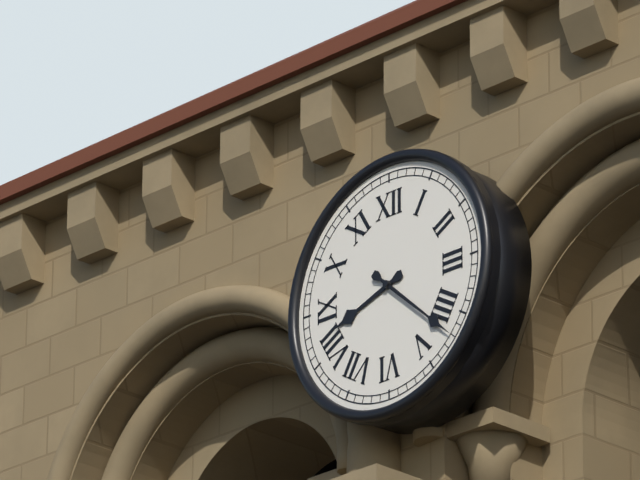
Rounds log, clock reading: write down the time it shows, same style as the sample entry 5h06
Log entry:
8h22
